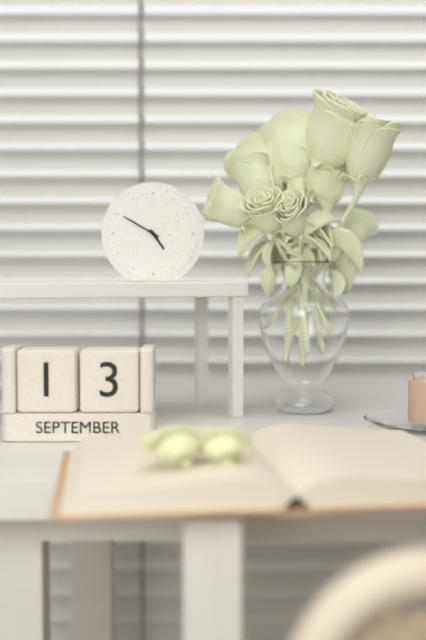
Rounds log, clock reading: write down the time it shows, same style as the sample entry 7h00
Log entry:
4h50
